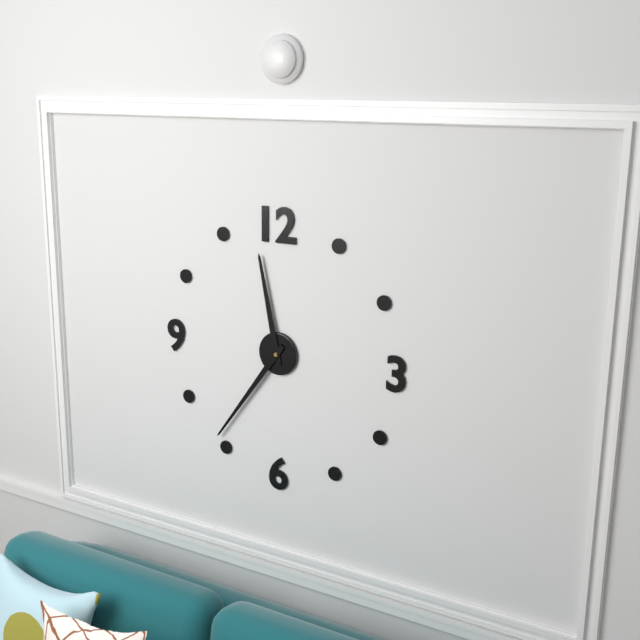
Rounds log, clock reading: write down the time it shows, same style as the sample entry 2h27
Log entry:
11h36
